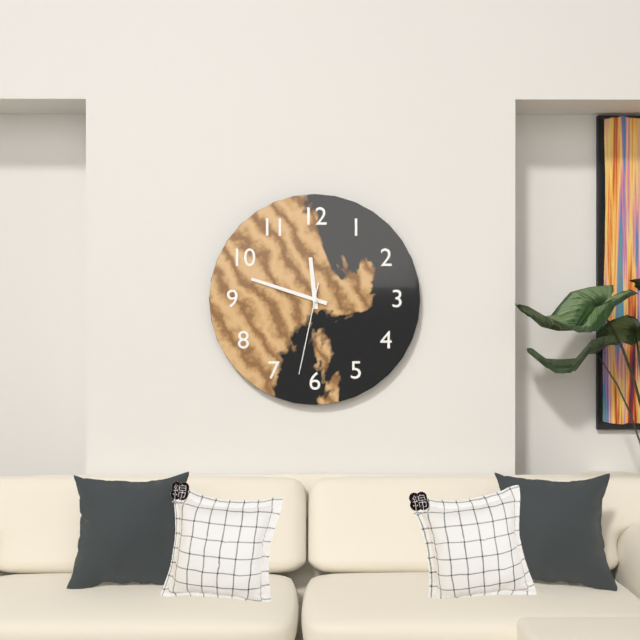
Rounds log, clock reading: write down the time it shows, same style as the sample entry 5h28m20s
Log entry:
11h48m32s
